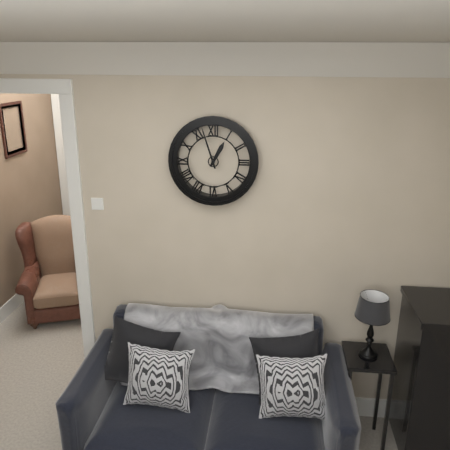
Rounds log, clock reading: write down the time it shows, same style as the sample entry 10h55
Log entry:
12h57
